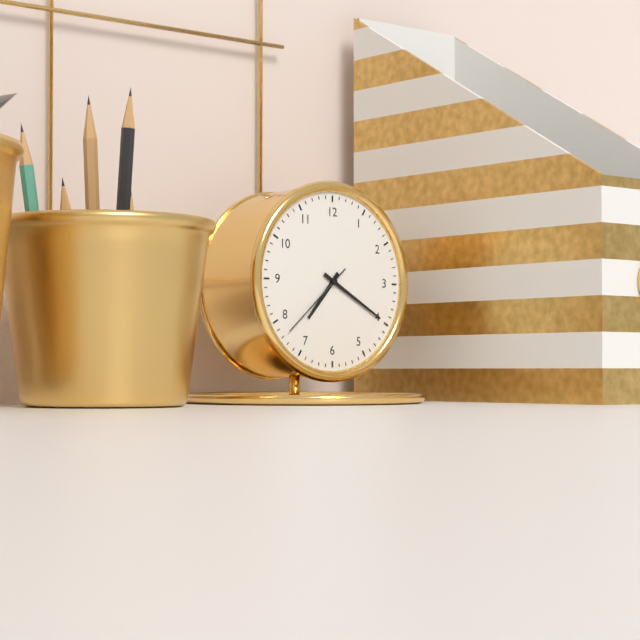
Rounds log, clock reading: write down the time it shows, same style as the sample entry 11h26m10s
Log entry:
7h20m38s
